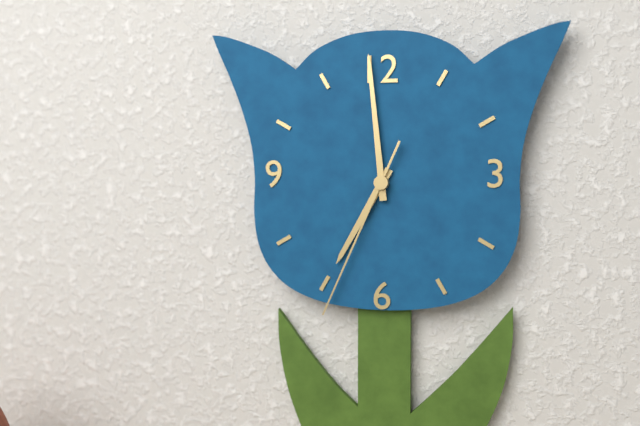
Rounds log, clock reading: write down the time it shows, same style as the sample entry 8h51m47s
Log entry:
6h59m34s
